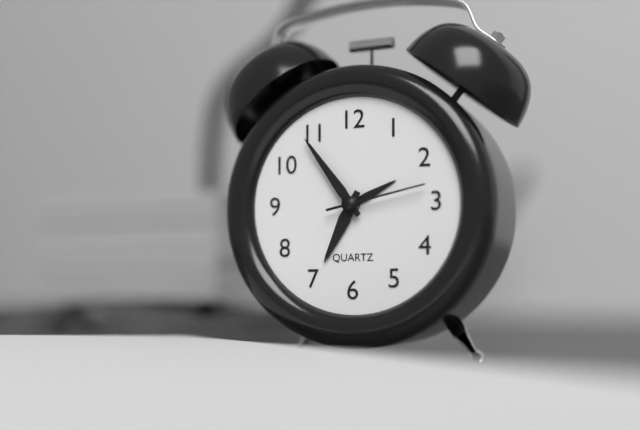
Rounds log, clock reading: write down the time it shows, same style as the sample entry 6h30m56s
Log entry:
6h54m13s
